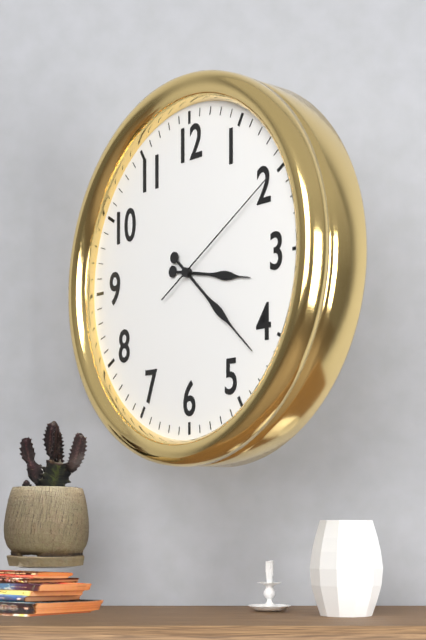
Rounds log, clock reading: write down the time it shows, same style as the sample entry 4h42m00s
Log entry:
3h22m10s
